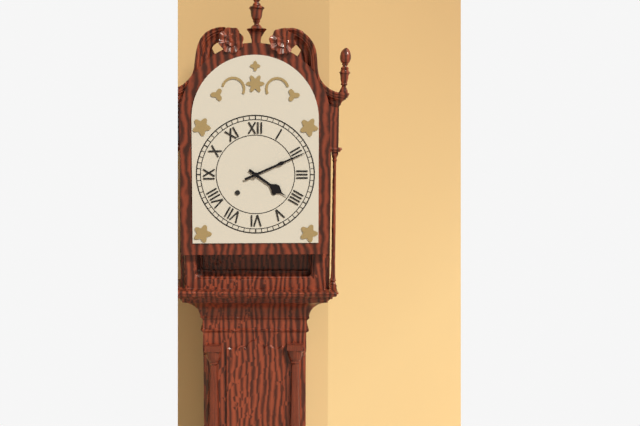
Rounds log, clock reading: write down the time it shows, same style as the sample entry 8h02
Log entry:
4h11
